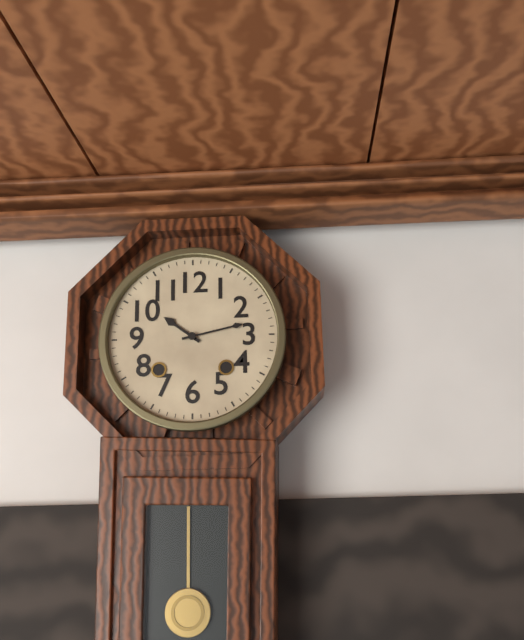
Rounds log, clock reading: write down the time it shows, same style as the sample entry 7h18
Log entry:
10h13
